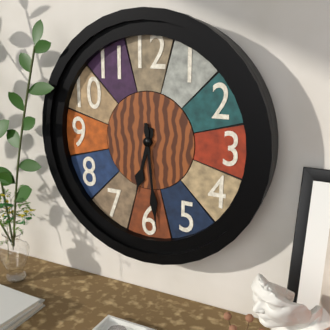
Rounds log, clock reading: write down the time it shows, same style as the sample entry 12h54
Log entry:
6h29
